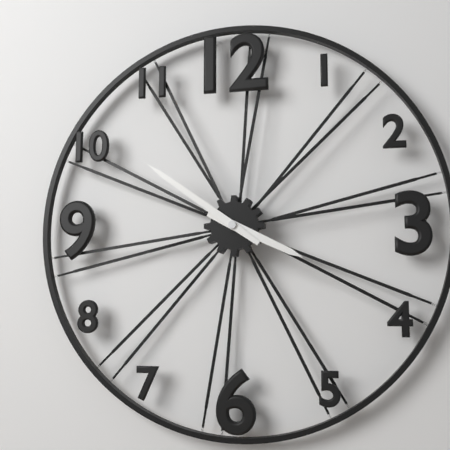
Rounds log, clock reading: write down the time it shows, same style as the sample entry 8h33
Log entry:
3h51
